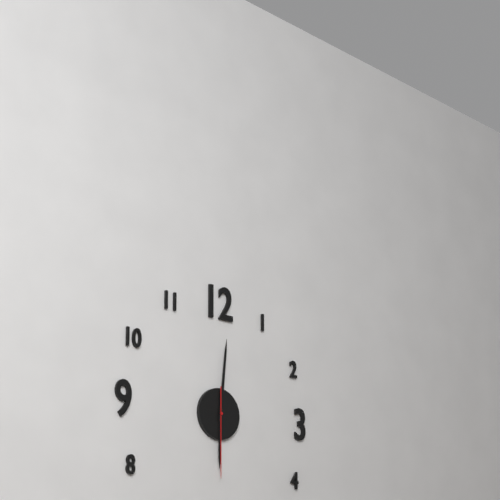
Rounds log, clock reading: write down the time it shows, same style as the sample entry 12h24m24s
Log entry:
6h01m30s
